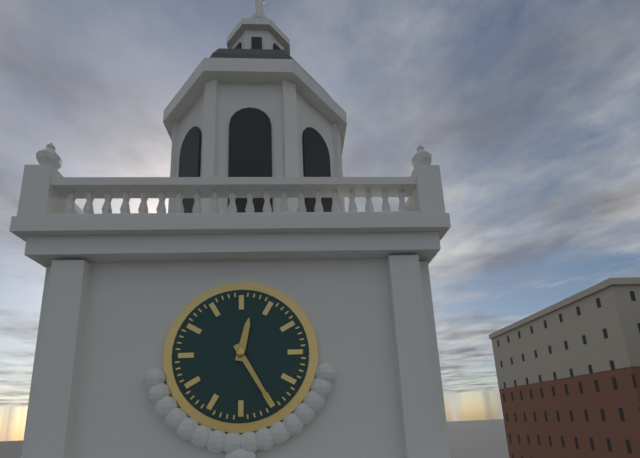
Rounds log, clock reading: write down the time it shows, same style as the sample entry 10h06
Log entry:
12h25
